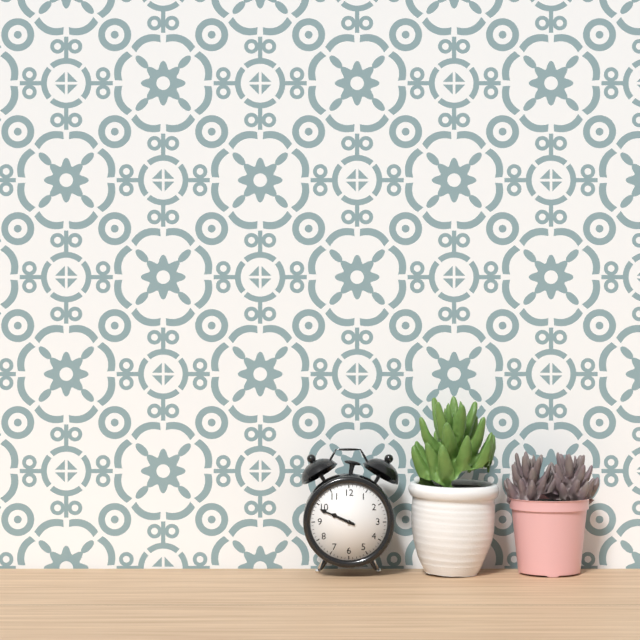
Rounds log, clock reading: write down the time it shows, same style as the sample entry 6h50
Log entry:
9h49
